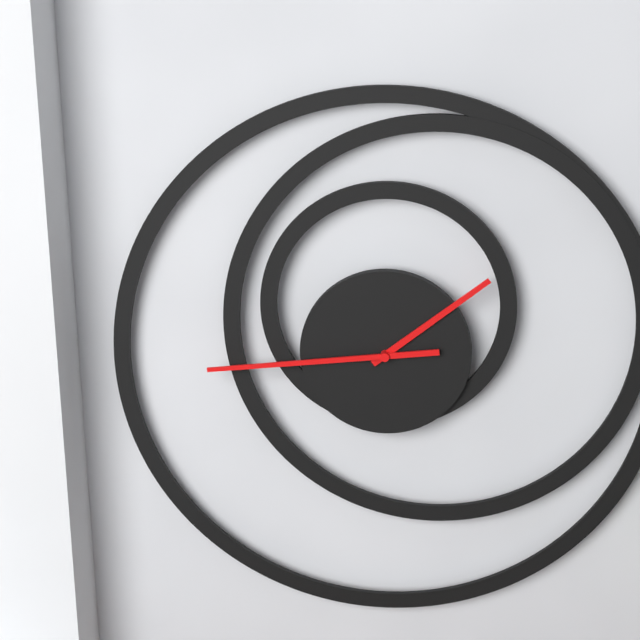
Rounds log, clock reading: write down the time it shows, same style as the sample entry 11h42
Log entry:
1h44
